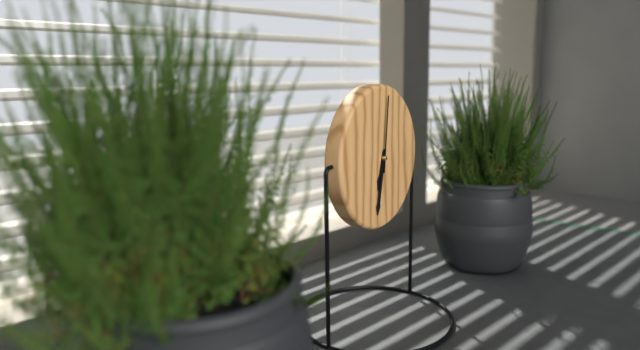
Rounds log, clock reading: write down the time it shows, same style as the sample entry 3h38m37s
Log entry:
6h32m01s
